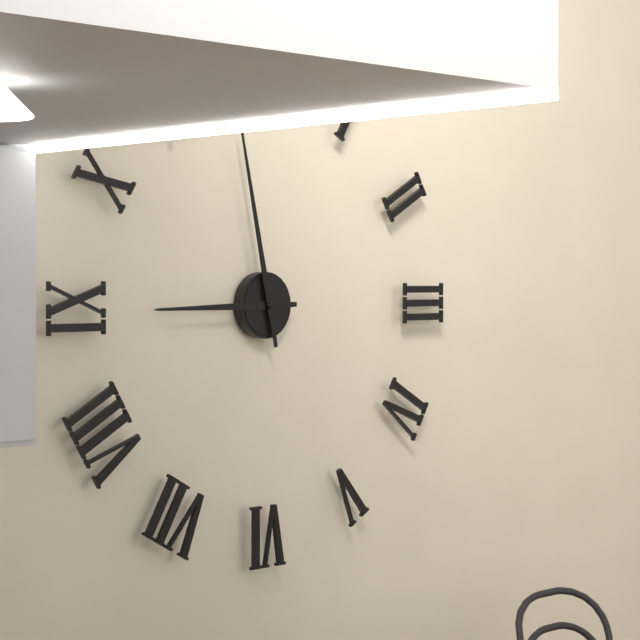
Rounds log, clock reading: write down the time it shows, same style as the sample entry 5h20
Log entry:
8h58
